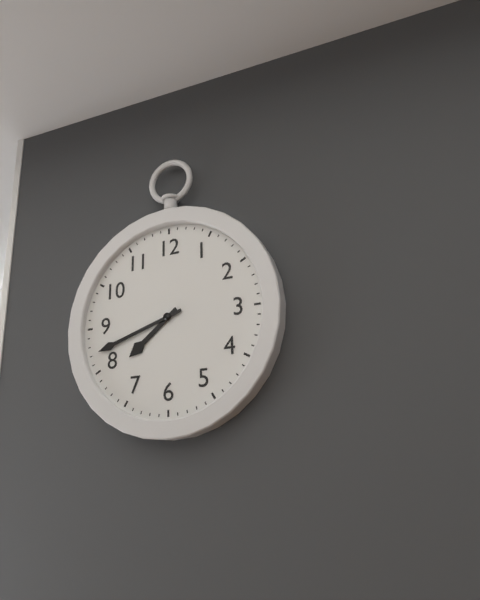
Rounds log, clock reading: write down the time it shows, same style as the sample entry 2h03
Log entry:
7h42
